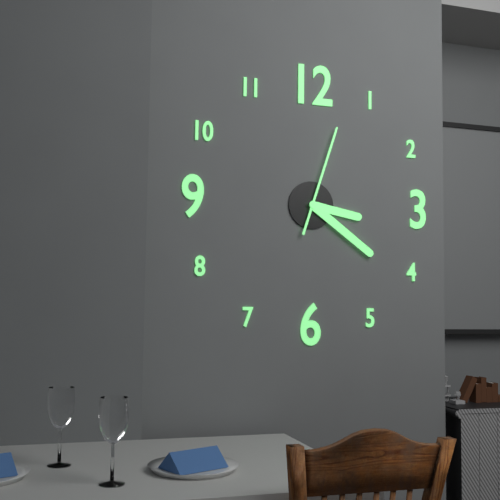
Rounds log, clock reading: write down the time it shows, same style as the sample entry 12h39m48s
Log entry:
3h21m03s
